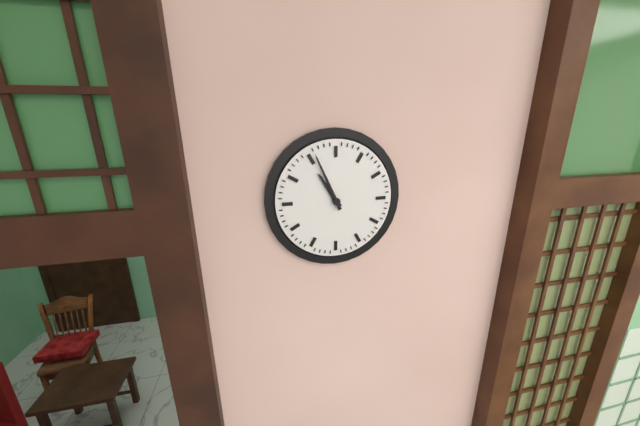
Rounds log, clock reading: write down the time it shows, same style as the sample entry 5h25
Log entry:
10h56
